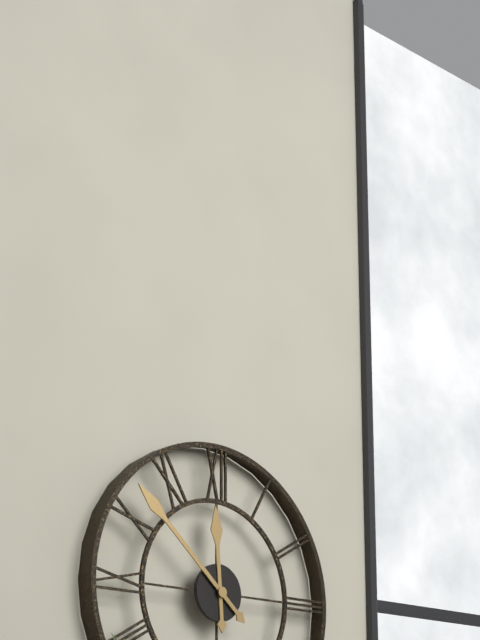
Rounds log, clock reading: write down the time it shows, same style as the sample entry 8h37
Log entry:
11h52
